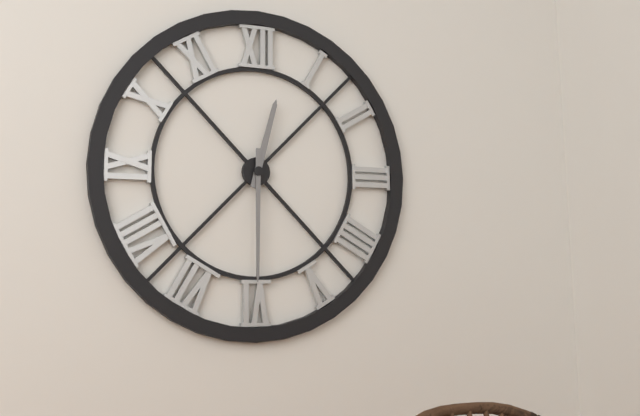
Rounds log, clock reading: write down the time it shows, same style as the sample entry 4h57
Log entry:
12h30
